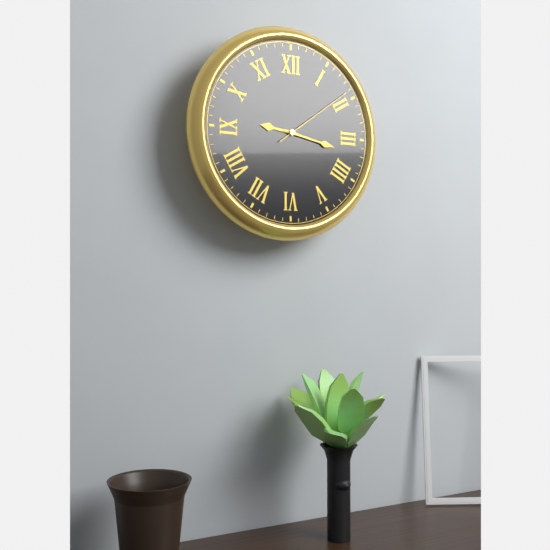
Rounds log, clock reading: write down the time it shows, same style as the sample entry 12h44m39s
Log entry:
9h17m09s
